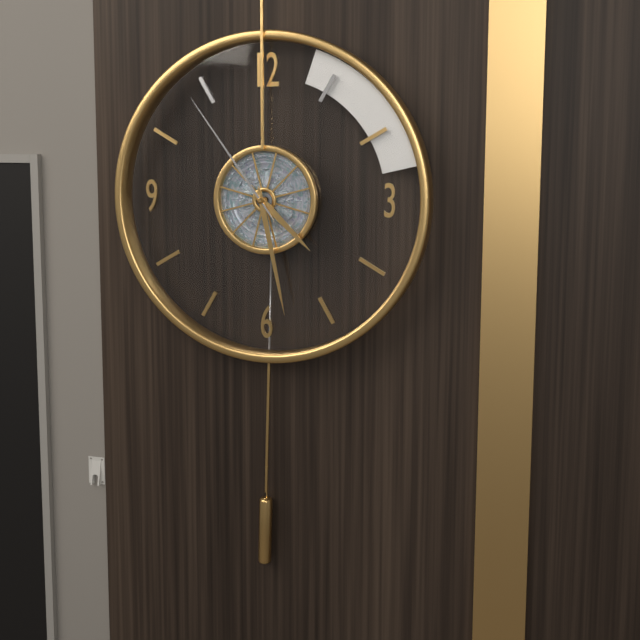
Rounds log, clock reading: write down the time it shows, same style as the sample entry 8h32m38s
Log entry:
4h28m54s
